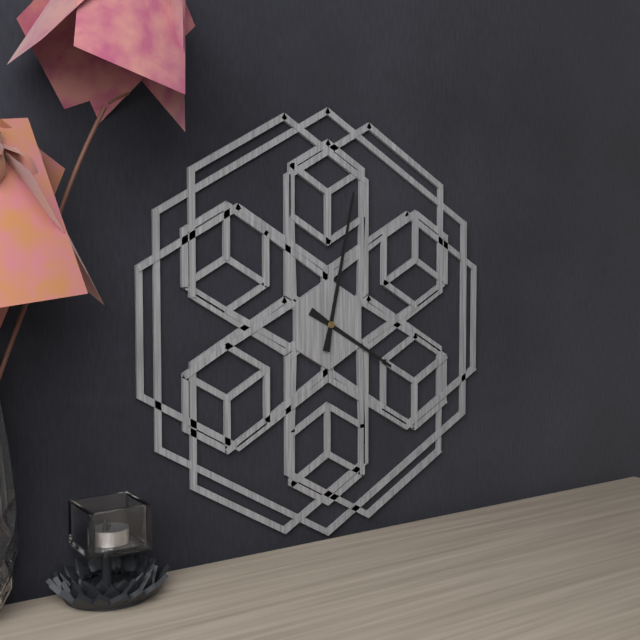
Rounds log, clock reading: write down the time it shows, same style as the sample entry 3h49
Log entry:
4h02
